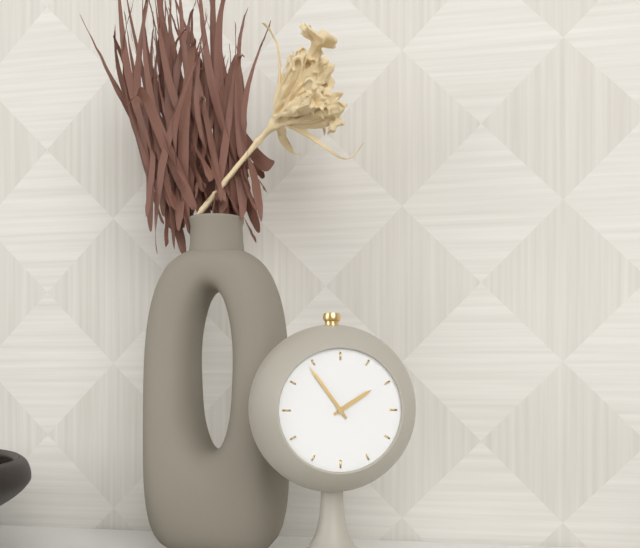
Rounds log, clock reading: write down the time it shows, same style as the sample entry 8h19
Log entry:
1h54
